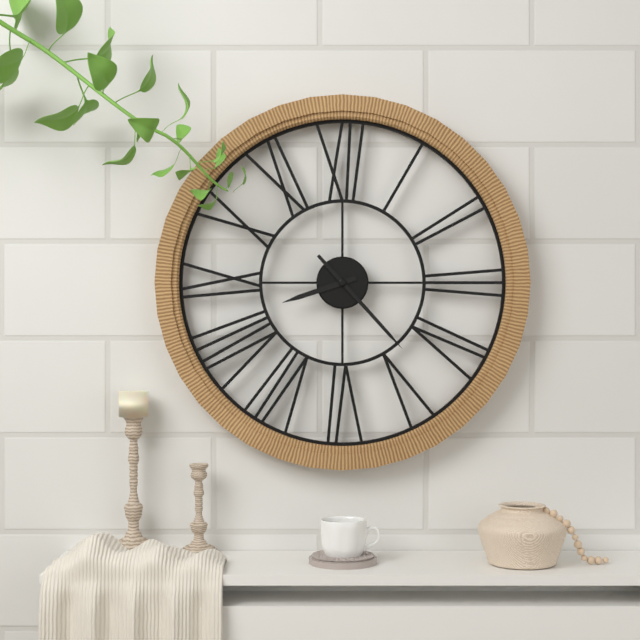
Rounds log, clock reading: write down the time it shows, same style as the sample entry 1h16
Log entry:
8h23
